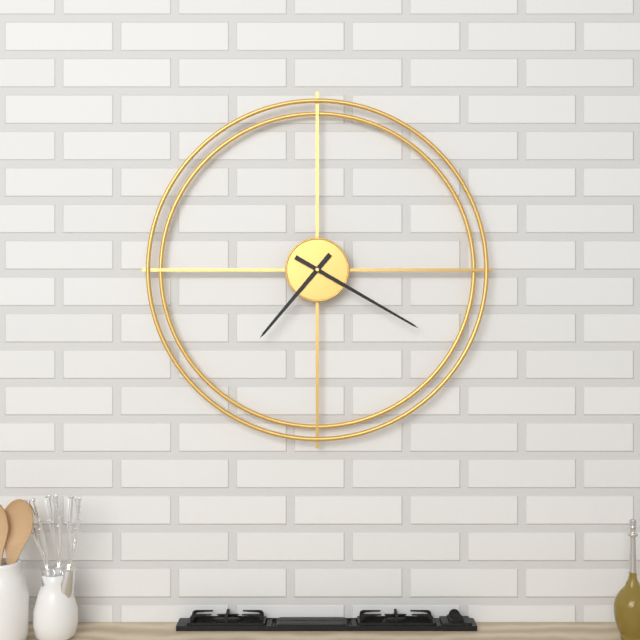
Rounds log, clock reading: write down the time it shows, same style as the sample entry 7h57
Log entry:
7h20
